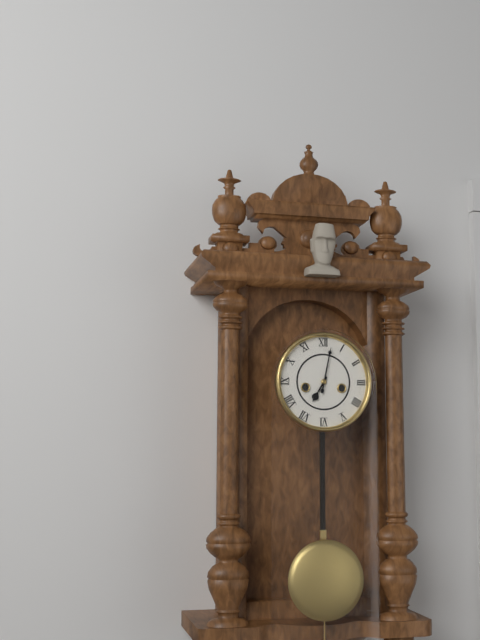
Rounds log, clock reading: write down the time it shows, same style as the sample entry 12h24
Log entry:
7h02
